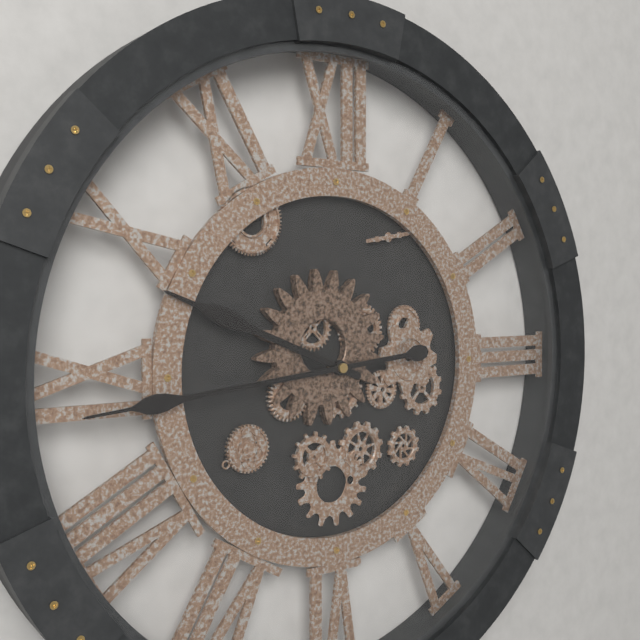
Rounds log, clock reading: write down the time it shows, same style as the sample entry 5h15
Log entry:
9h44
